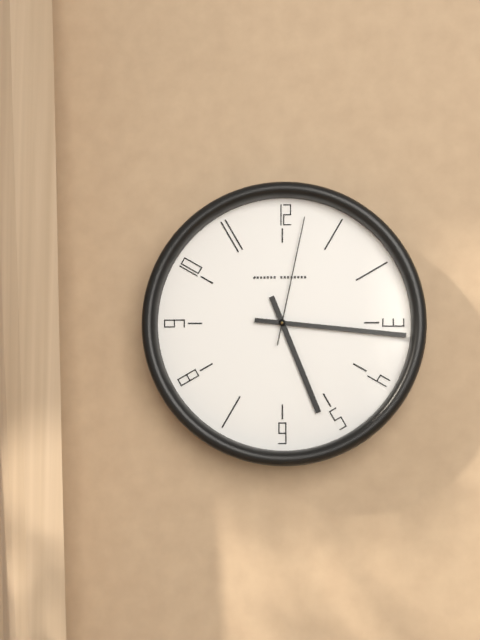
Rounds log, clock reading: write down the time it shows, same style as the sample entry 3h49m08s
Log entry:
5h16m02s
